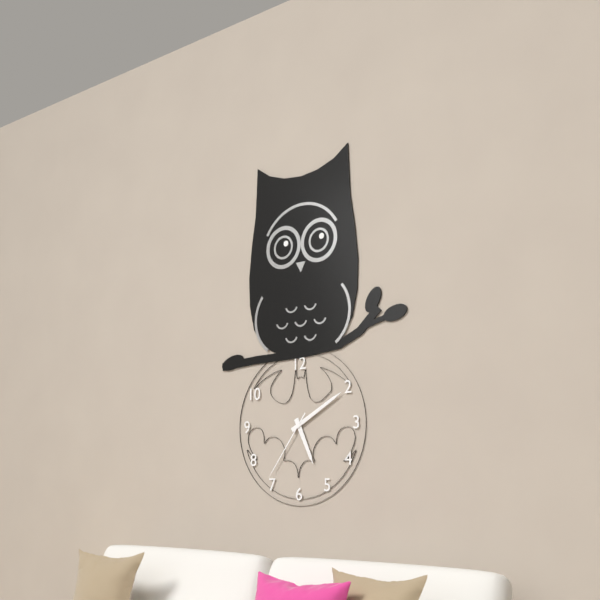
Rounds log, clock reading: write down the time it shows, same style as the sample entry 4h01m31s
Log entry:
5h10m36s
